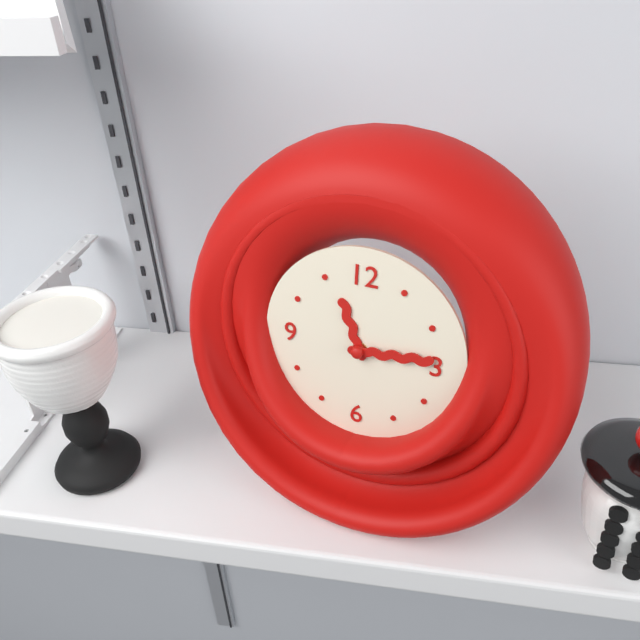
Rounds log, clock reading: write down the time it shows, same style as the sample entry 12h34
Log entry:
11h14
